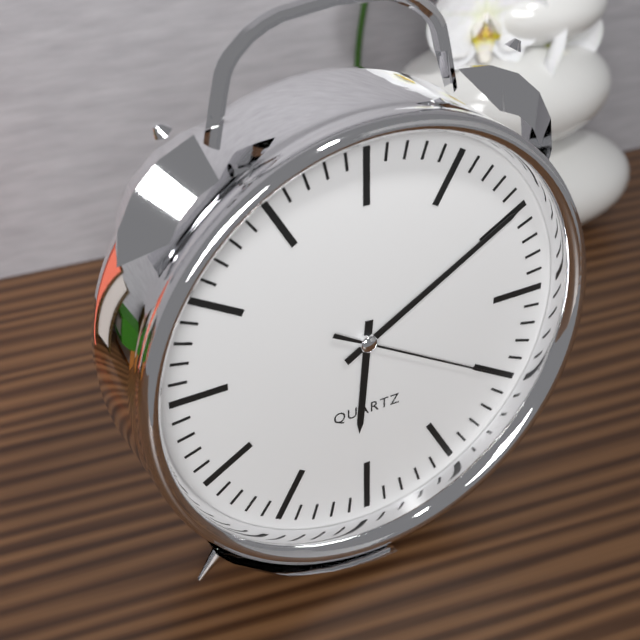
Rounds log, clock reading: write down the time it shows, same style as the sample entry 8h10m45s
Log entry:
6h10m20s
